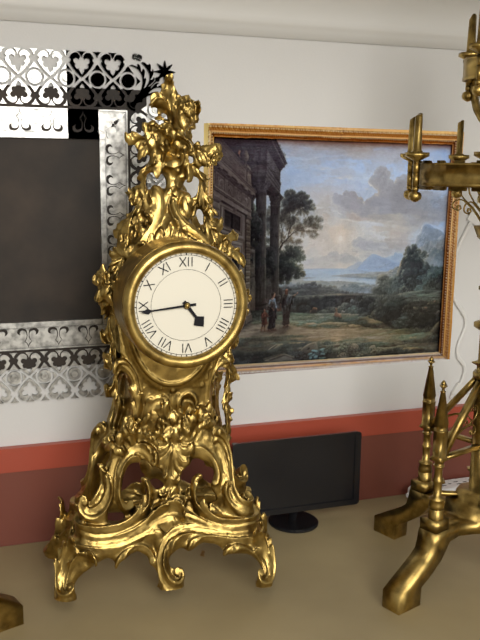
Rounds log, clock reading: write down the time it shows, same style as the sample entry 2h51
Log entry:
4h44
